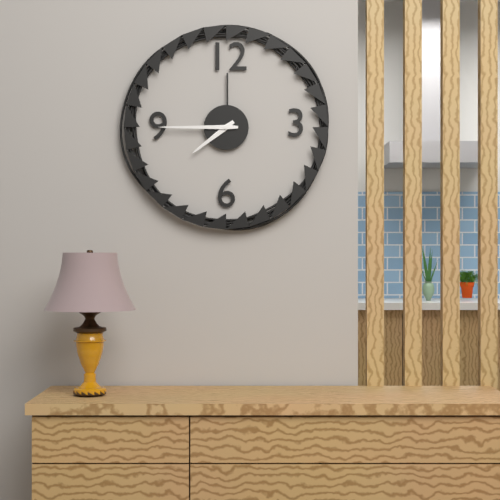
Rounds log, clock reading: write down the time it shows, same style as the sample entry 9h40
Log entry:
7h45
